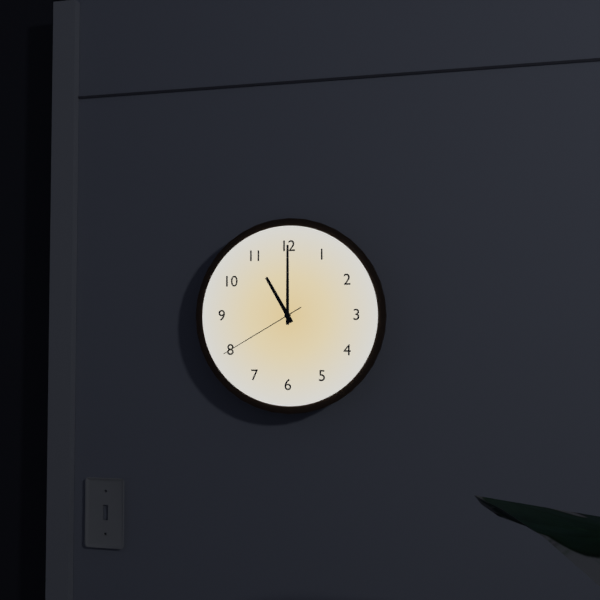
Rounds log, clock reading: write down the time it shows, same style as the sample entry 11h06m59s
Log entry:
11h00m40s
